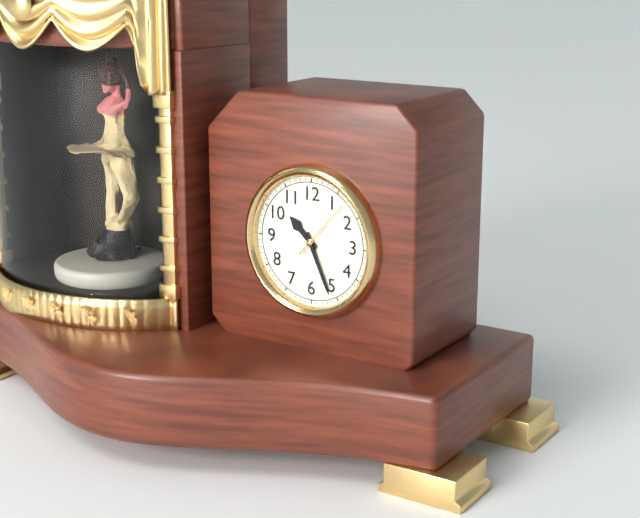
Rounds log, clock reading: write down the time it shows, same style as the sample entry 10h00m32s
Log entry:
10h26m07s
